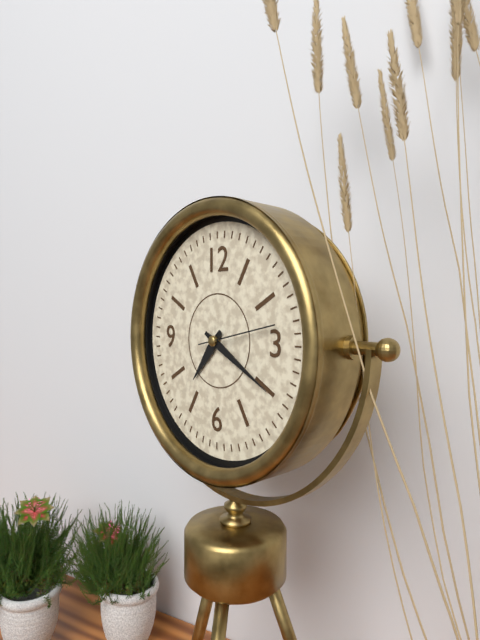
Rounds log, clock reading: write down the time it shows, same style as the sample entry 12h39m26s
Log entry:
7h20m13s
